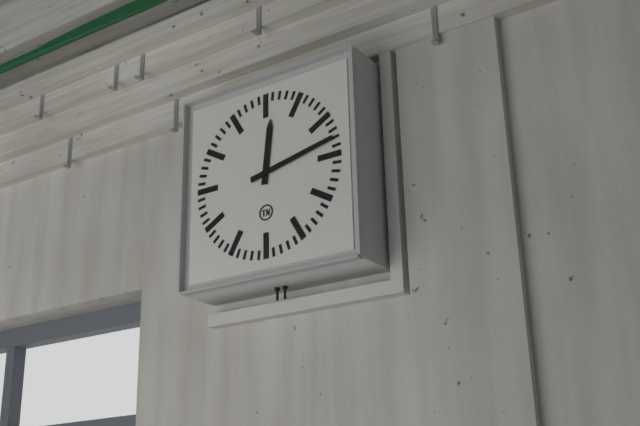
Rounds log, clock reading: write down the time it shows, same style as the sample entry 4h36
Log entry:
12h13
